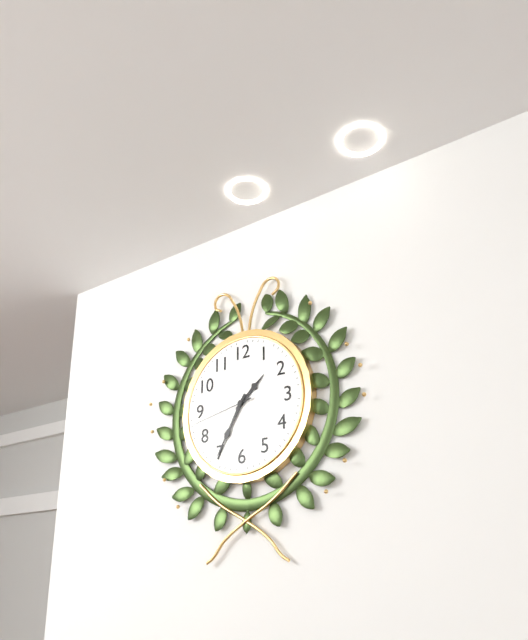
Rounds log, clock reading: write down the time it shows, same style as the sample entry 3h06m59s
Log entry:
1h35m43s
